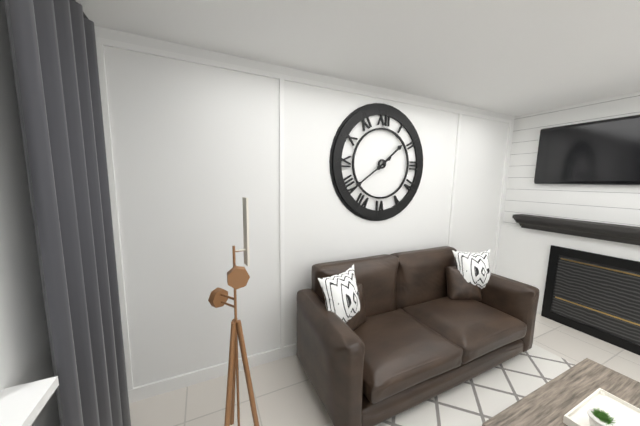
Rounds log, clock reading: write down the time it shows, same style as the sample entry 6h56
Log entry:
1h39
